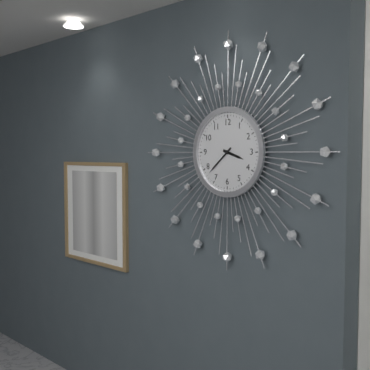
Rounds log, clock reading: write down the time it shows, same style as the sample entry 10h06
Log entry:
3h38
